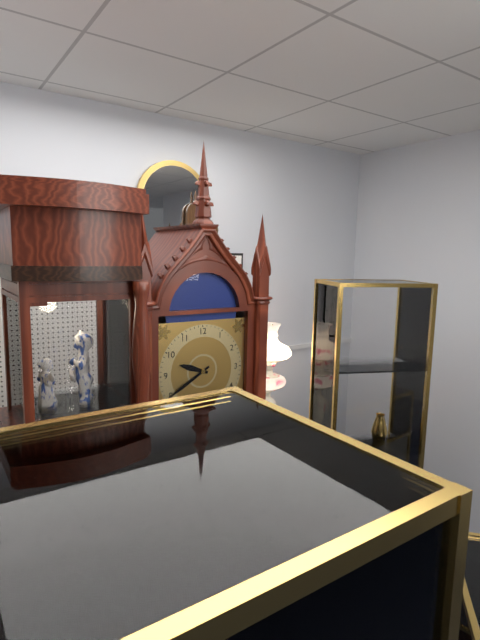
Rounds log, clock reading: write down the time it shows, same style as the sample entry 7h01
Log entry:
9h40
